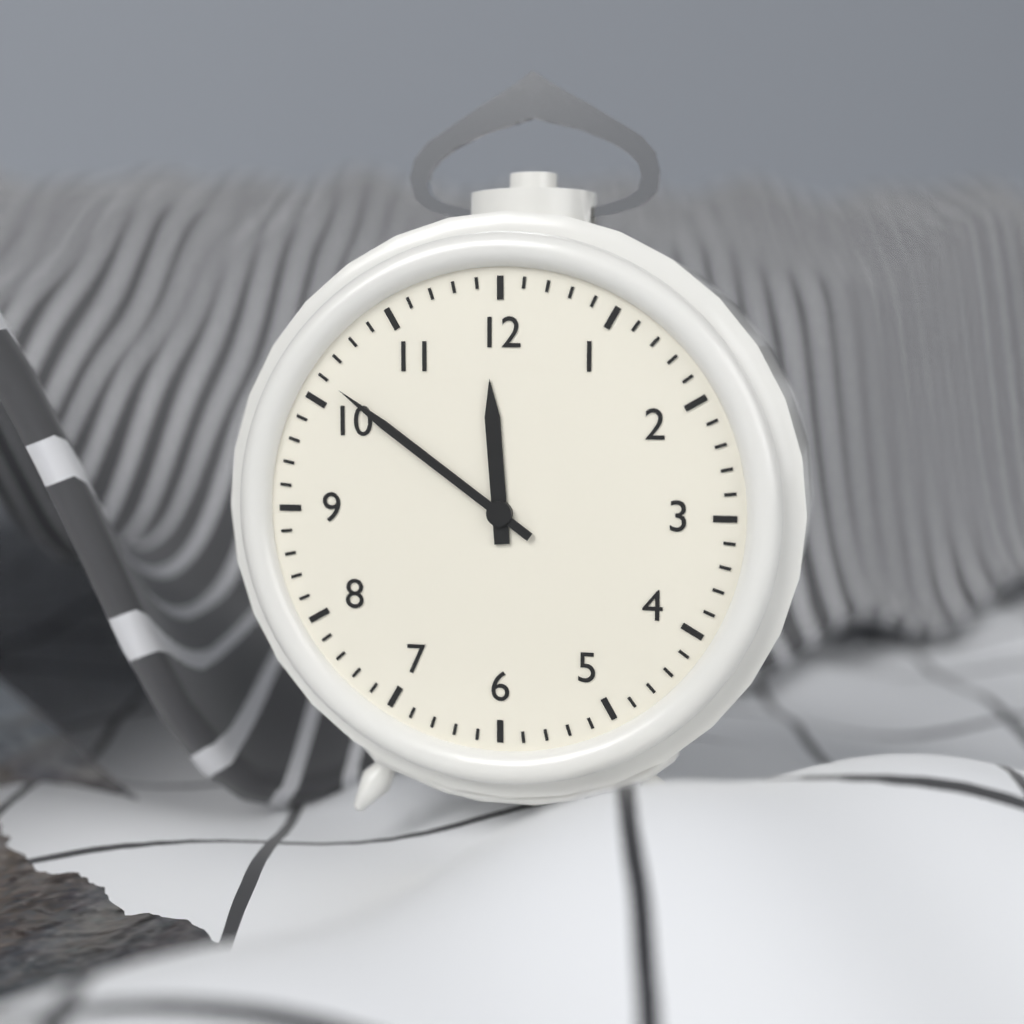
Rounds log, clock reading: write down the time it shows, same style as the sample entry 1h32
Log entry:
11h51
